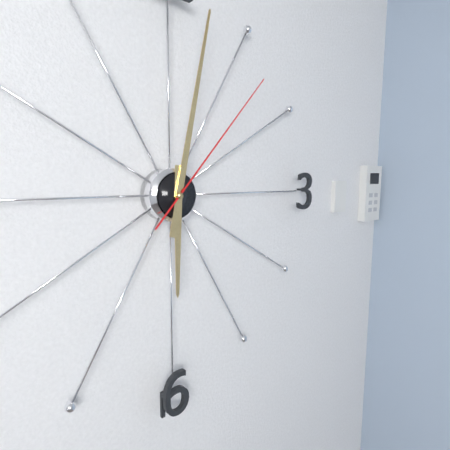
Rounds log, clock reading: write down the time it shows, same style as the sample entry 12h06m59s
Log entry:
6h02m07s
